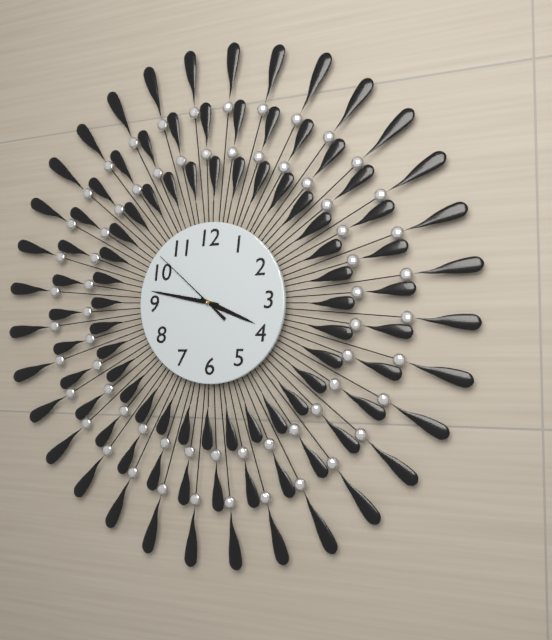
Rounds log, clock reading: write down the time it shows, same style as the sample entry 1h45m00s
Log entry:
3h47m52s
